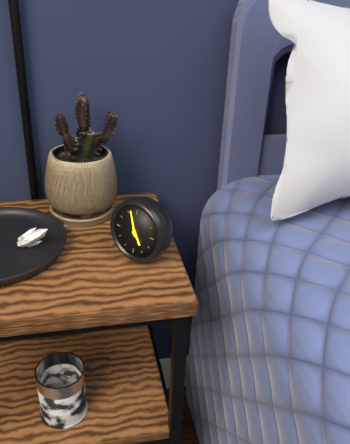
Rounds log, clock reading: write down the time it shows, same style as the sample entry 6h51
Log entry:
4h57
